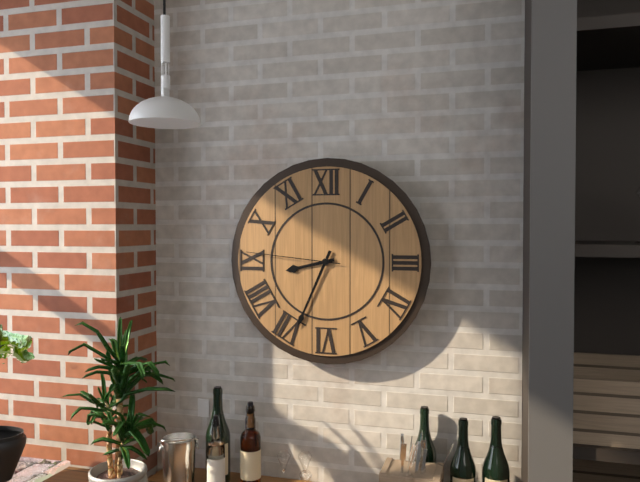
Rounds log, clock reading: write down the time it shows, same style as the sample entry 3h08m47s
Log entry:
8h34m46s
